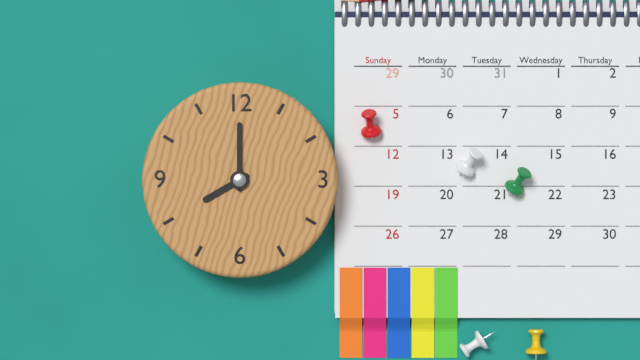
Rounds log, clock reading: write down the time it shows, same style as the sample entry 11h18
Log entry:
8h00
